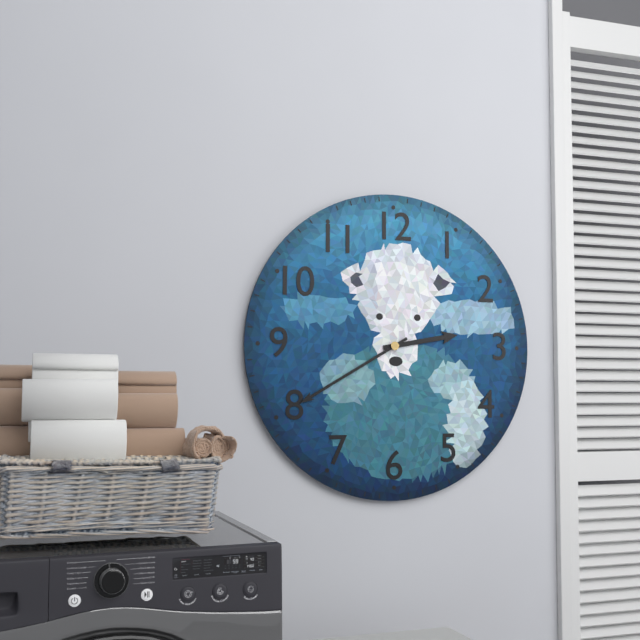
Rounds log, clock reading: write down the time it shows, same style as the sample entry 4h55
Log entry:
2h40
